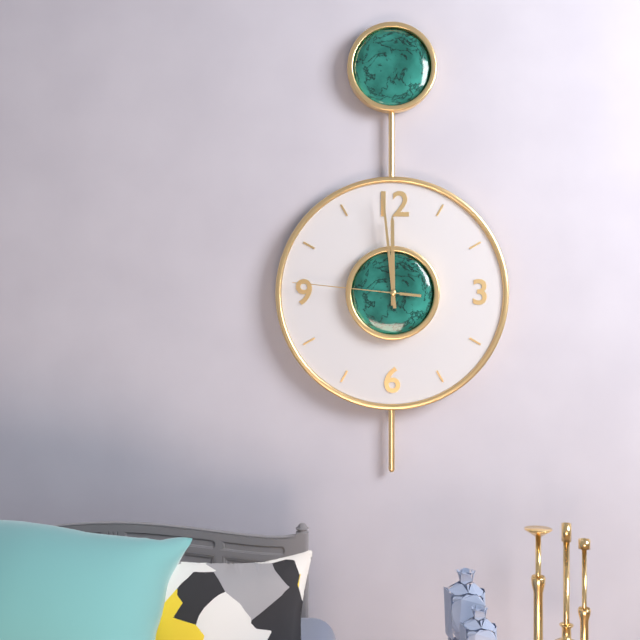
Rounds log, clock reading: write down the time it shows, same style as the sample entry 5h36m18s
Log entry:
11h59m46s
